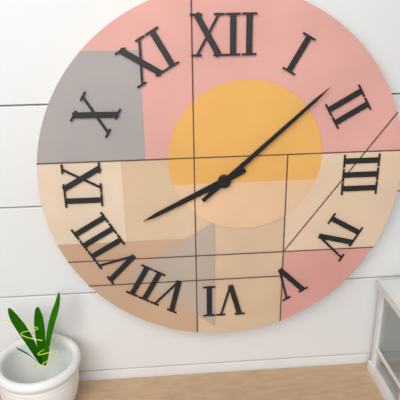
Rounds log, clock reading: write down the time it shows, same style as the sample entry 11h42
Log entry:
8h08
